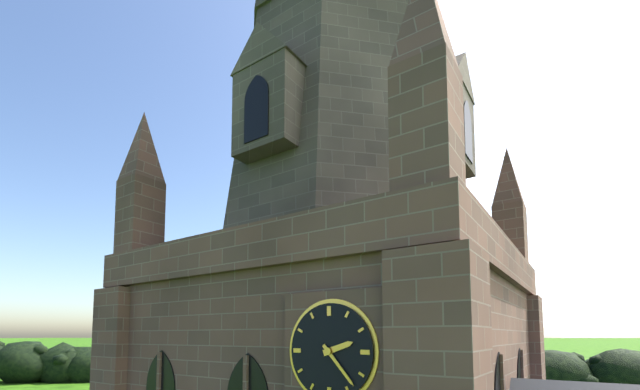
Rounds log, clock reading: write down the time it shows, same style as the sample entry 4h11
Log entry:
2h23
